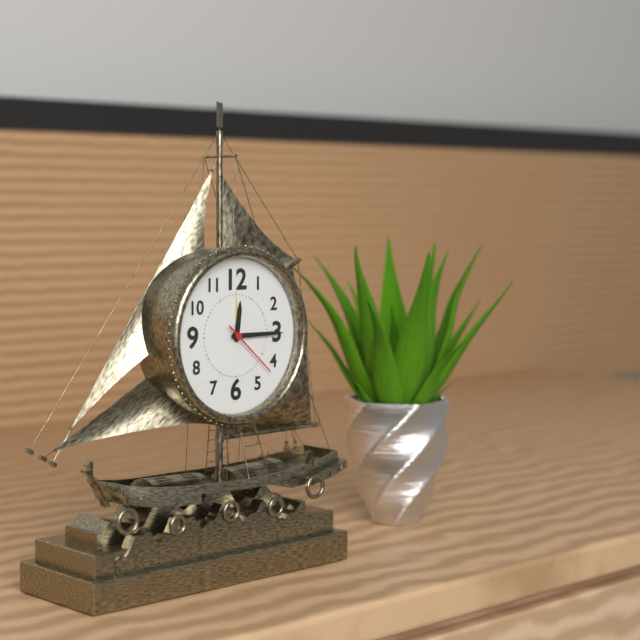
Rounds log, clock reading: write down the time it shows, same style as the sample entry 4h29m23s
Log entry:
12h15m22s
